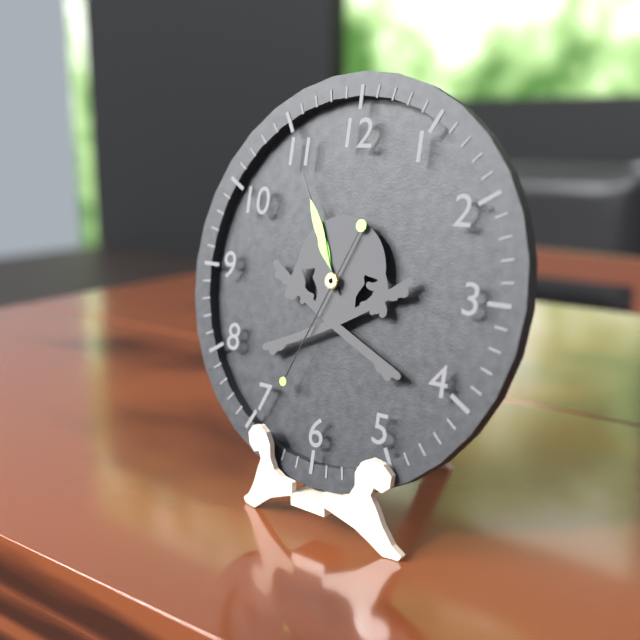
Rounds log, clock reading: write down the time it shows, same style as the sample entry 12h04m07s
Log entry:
10h55m34s
